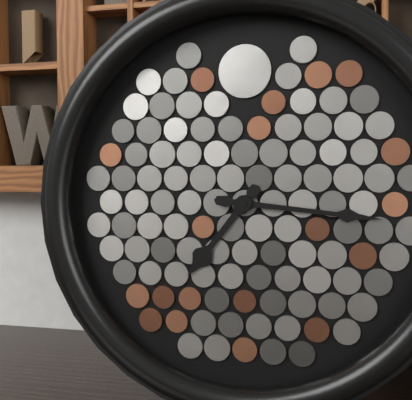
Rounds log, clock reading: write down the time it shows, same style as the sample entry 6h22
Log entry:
7h16
